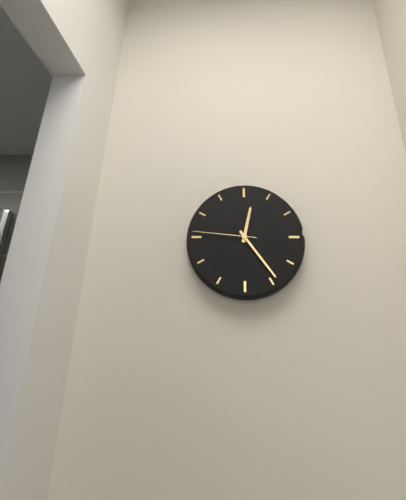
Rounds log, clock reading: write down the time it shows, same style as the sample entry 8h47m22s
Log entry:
12h24m46s
